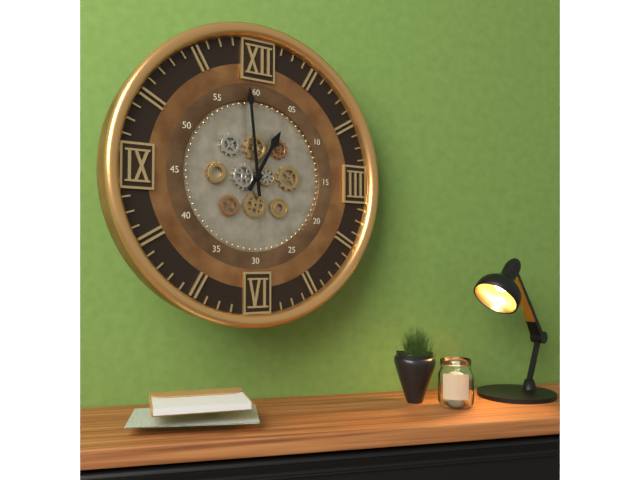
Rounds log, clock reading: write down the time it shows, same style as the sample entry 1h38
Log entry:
12h59
